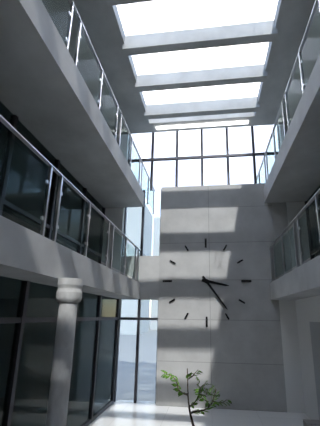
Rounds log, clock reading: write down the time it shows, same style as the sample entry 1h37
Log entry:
3h24
